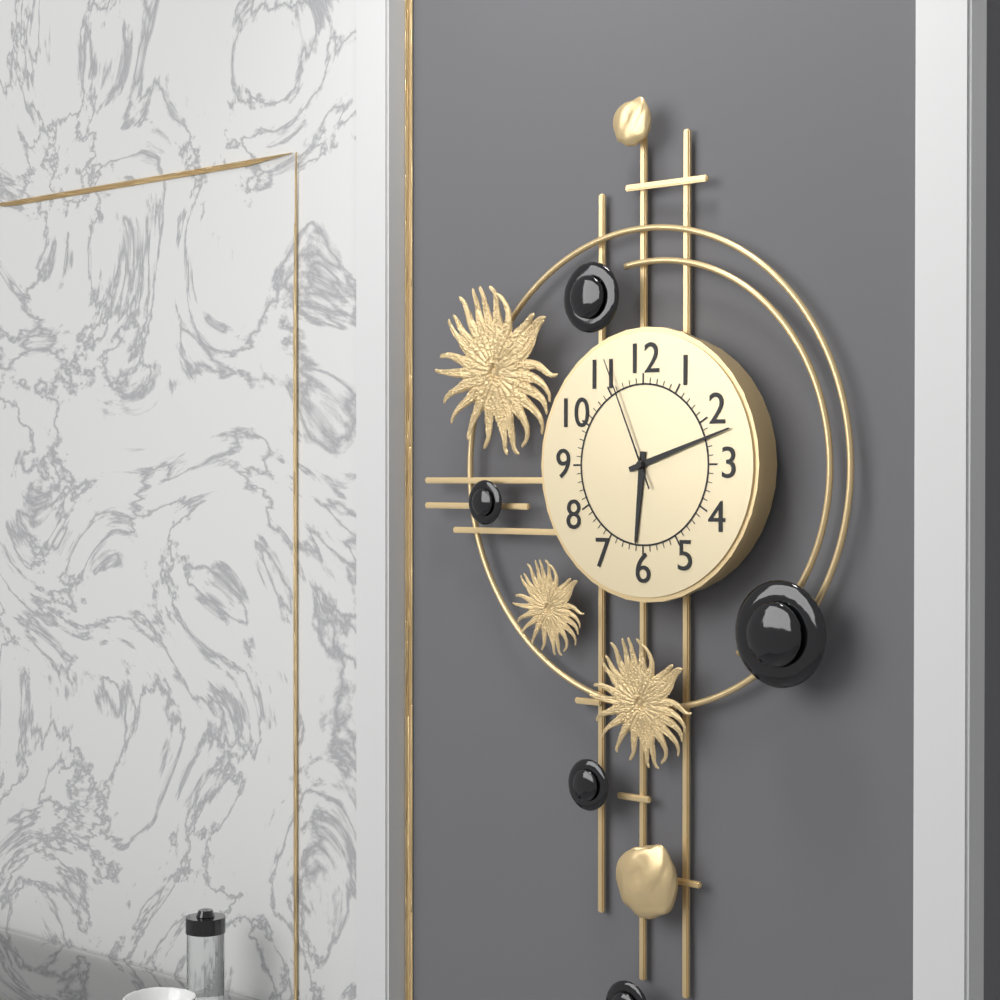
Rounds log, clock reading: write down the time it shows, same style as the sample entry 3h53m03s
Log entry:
6h12m56s
